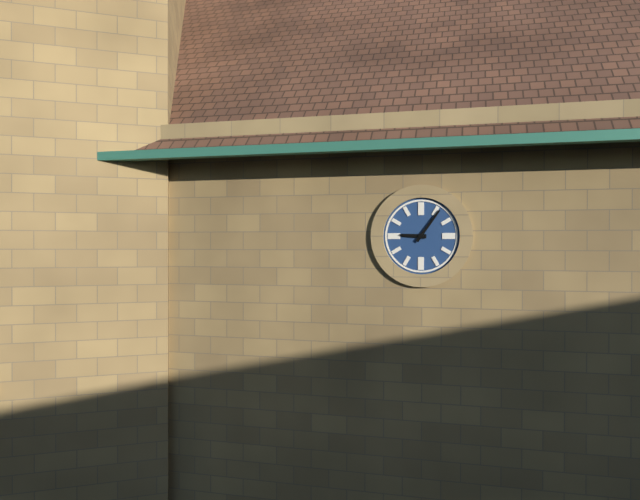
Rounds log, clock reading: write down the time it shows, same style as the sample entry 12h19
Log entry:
9h06
